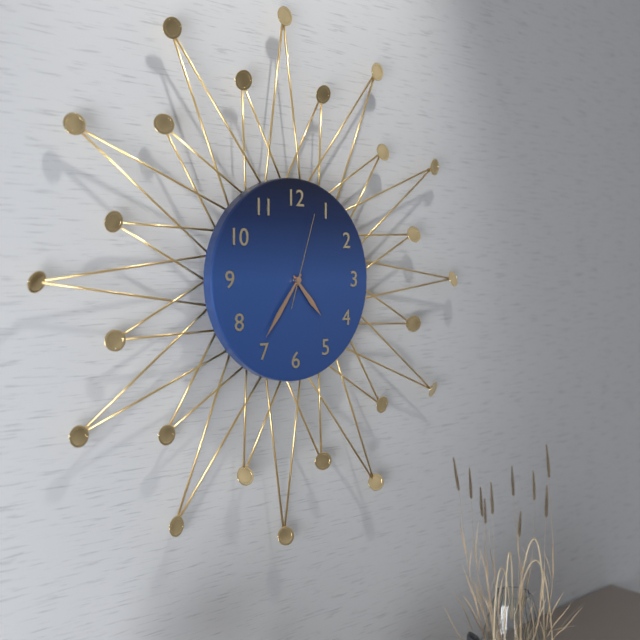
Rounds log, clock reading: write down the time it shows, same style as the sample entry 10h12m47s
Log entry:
4h36m03s
